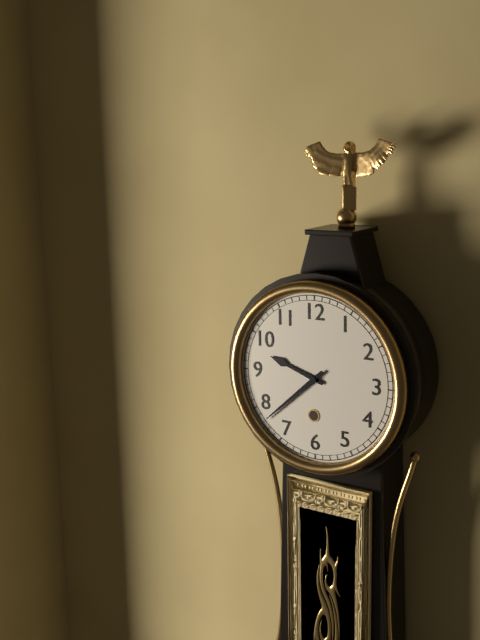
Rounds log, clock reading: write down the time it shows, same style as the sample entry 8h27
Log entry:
9h38
